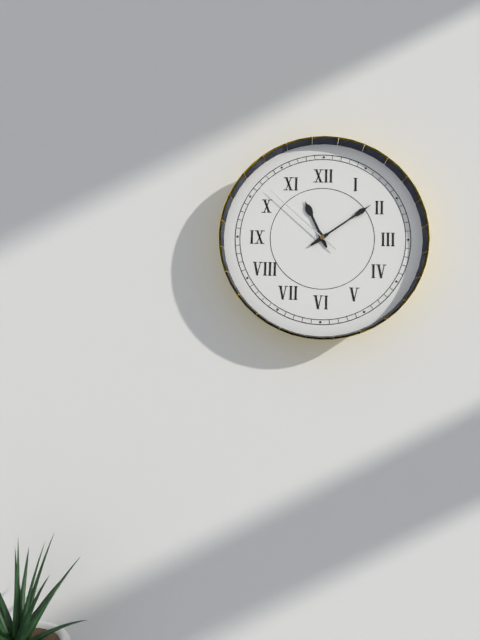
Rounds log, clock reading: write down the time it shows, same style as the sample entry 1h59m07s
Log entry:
11h09m52s
